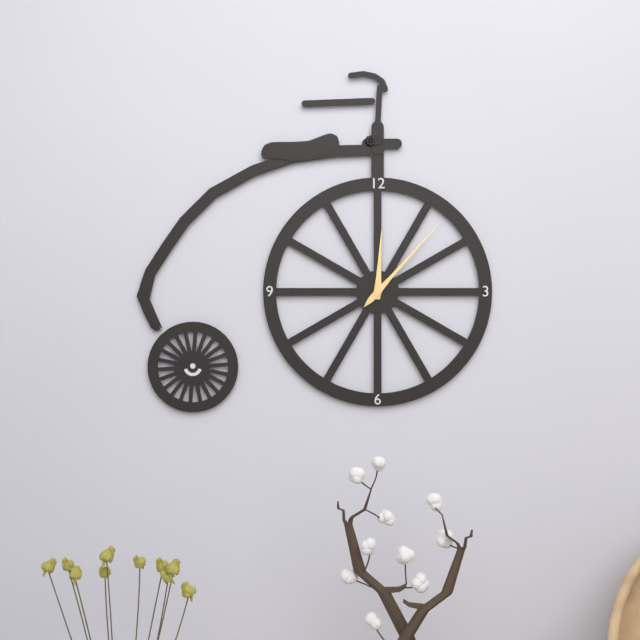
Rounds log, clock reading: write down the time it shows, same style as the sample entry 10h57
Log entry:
12h07
